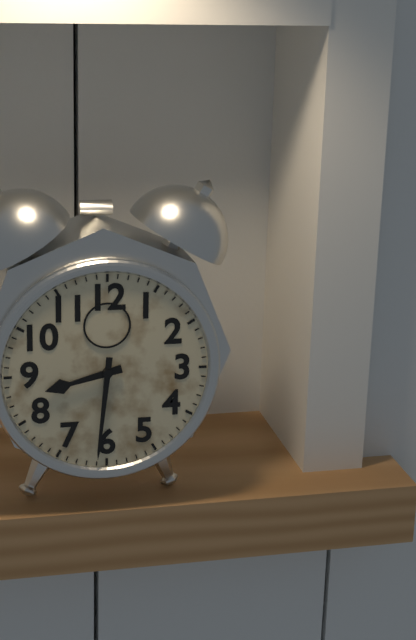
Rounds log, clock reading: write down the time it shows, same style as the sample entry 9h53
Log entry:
8h31
